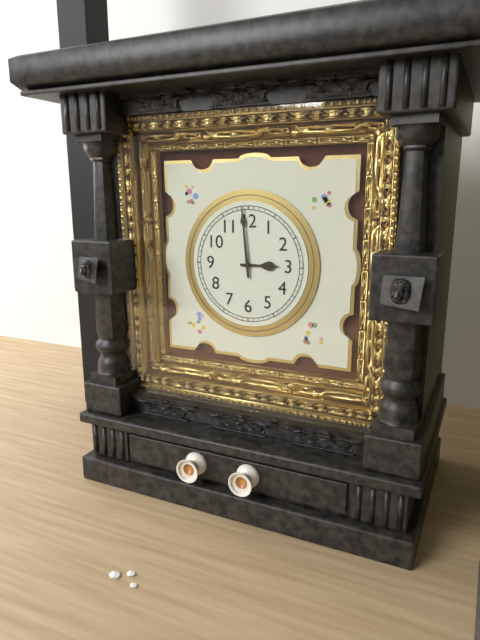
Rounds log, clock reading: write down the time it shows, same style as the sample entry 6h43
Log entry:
2h59
